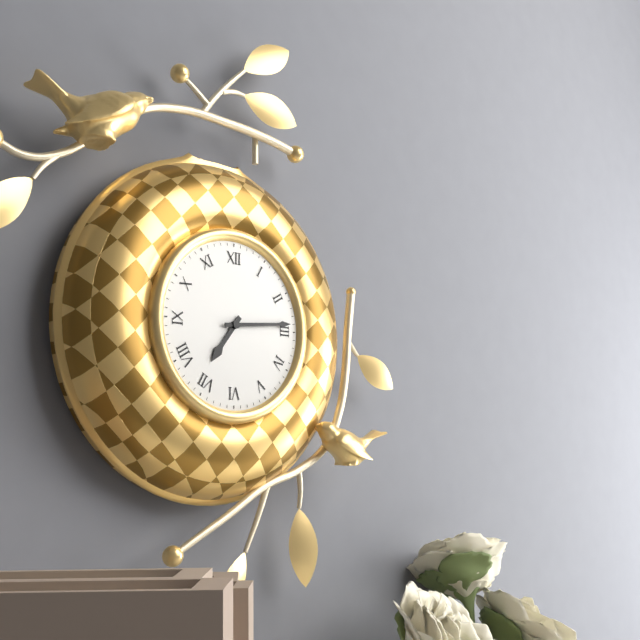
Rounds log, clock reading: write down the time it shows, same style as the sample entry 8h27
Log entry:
7h14
